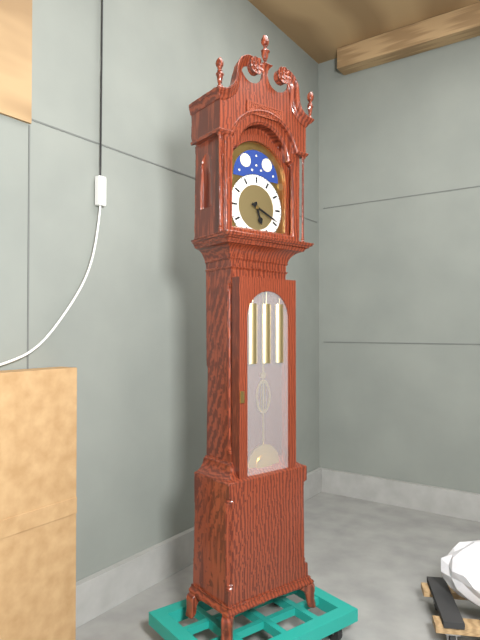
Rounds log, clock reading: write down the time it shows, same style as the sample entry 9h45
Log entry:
5h19
